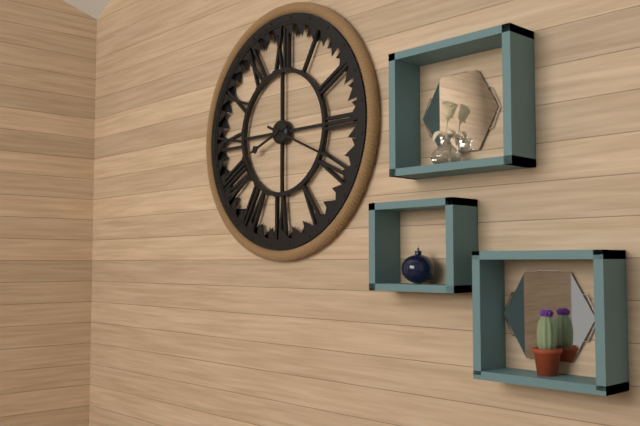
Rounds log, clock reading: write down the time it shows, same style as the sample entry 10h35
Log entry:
8h19
